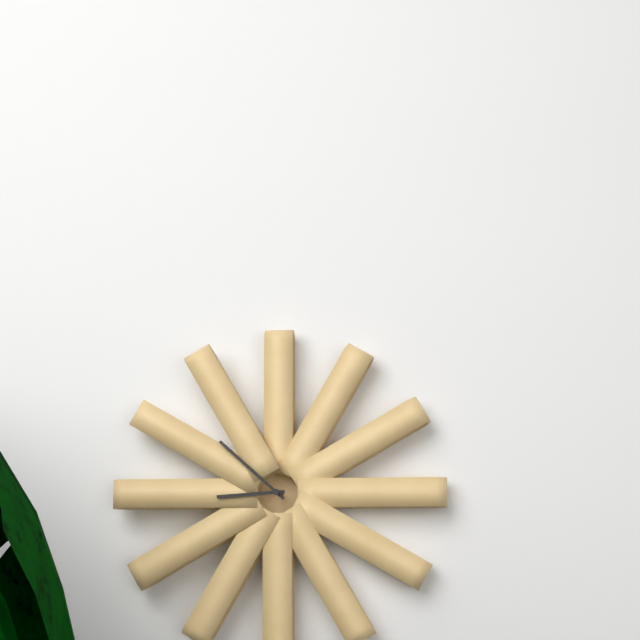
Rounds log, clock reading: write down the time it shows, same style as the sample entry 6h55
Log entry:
8h52
